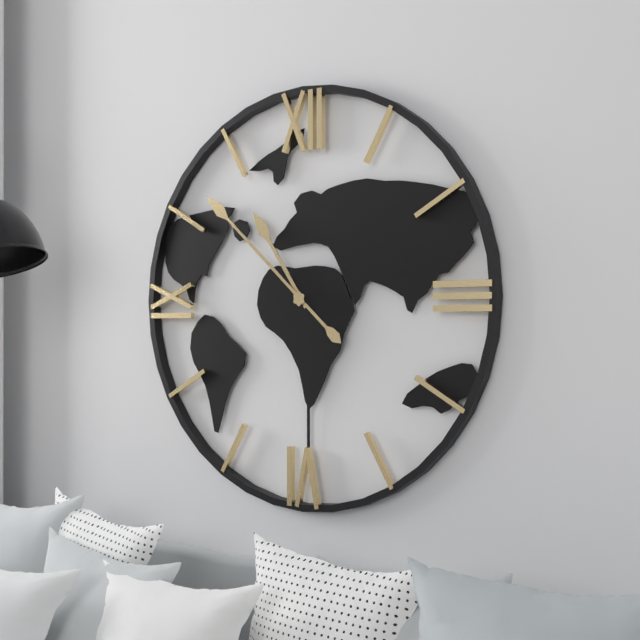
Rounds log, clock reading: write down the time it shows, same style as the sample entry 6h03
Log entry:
10h52
